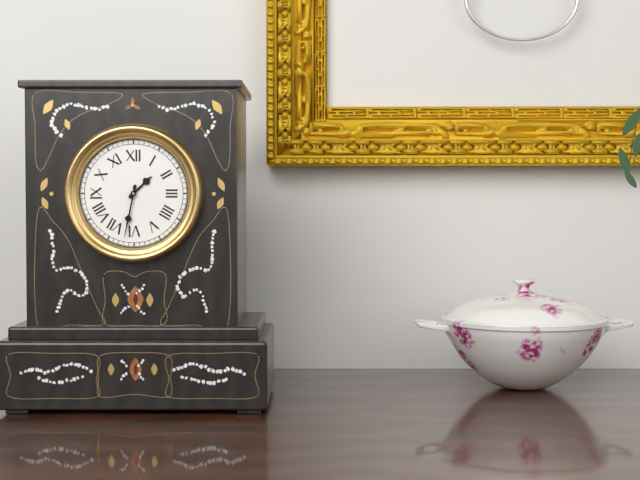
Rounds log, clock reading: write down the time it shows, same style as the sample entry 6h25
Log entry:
1h32
